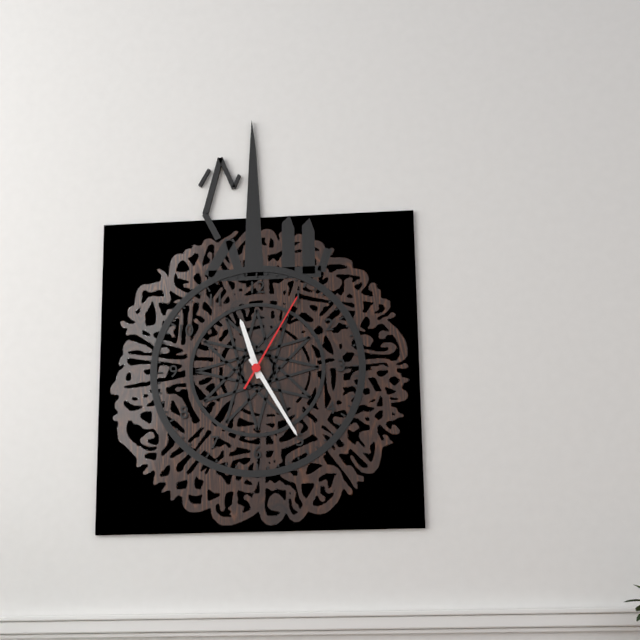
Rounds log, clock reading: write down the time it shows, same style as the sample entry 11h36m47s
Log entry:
11h25m05s
